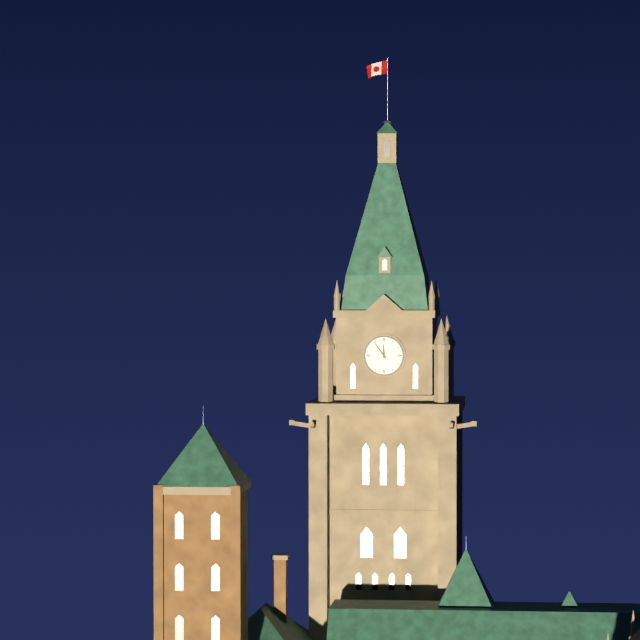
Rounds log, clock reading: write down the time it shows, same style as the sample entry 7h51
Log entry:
11h54
